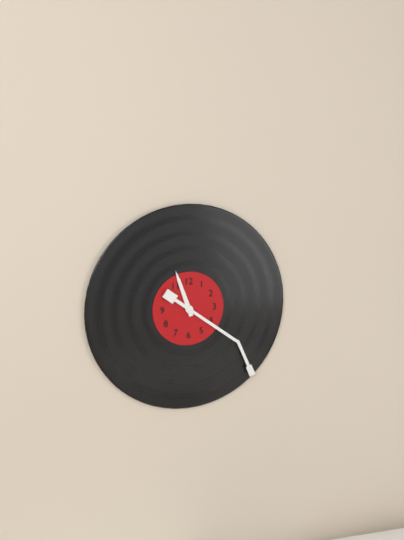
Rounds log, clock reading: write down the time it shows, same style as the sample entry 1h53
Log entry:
11h21
